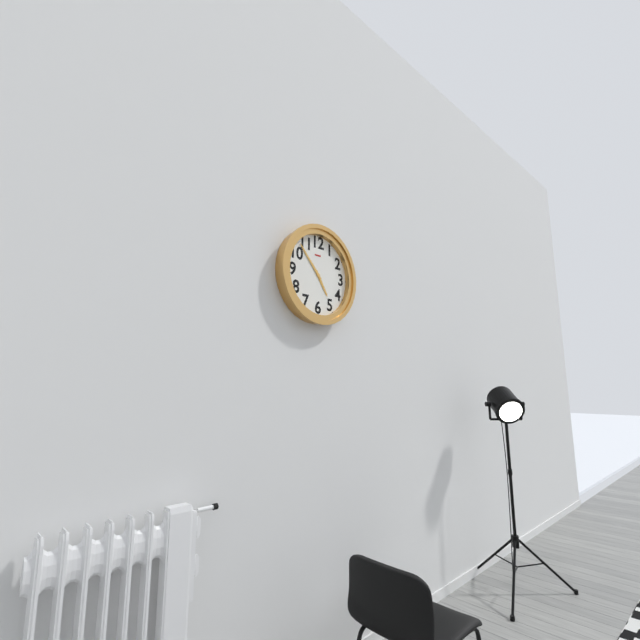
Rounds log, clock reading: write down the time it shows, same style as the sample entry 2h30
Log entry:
4h53
